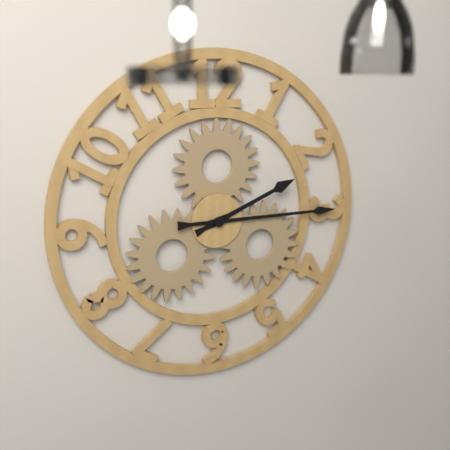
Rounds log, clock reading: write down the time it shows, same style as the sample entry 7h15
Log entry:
2h15
